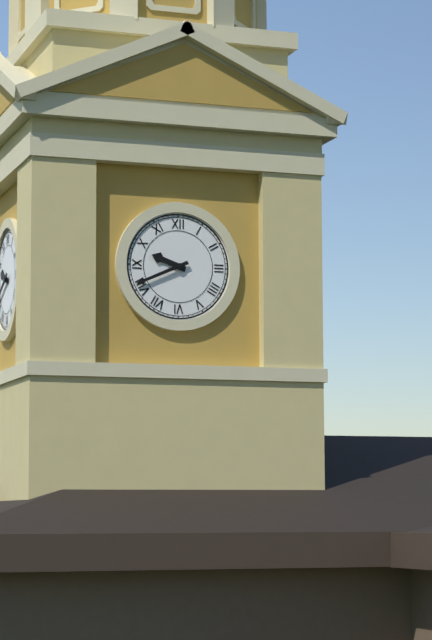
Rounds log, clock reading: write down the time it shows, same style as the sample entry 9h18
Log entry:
9h41
